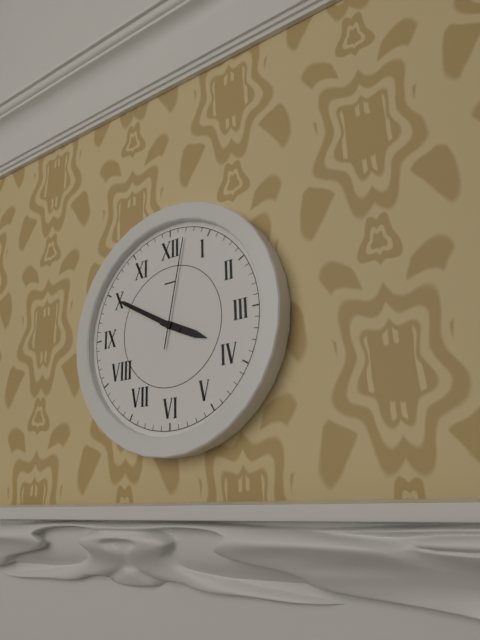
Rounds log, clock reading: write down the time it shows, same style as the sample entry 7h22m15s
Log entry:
3h50m02s
